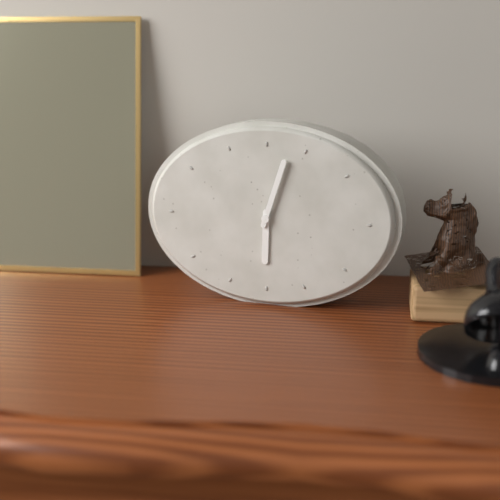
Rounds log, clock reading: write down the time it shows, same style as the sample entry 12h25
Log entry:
6h03
